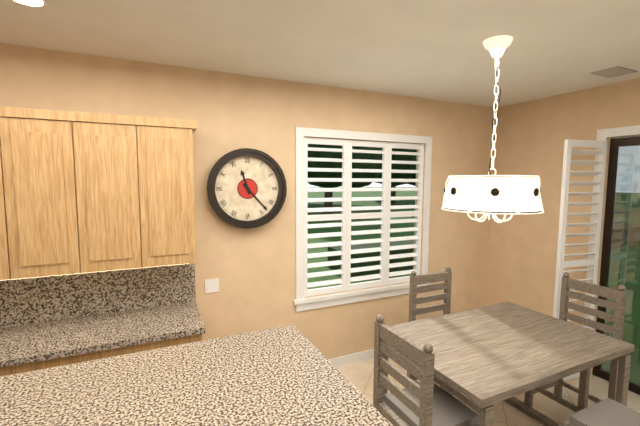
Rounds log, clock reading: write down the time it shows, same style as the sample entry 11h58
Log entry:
11h23
